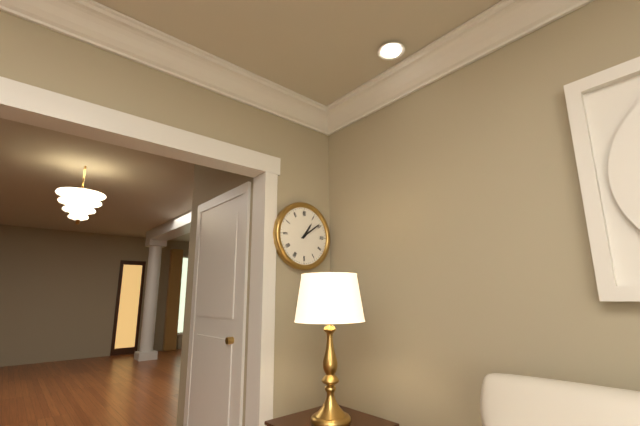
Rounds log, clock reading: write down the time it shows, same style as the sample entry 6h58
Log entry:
1h09
